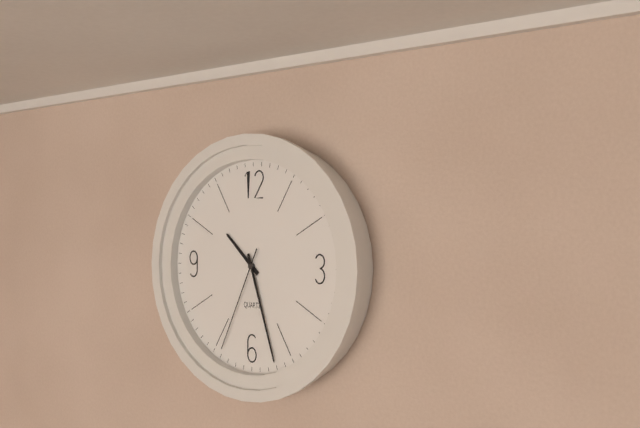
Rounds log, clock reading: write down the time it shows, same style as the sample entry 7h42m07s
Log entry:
10h27m34s
